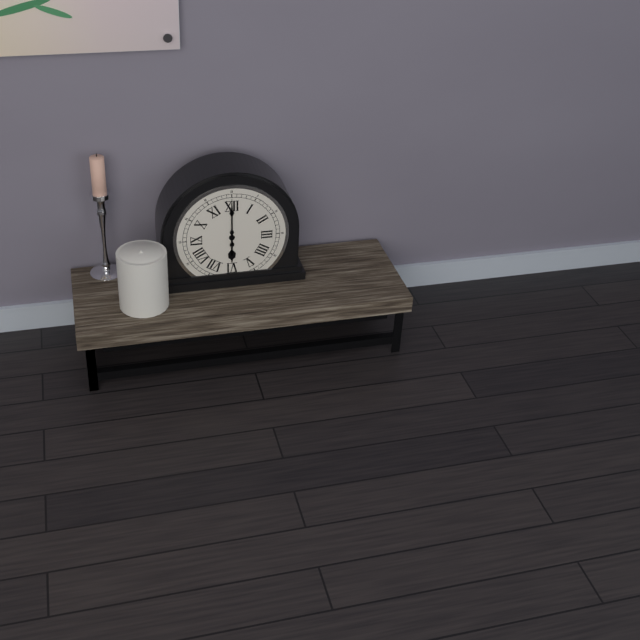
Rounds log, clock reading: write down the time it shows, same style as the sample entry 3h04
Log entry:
6h00
